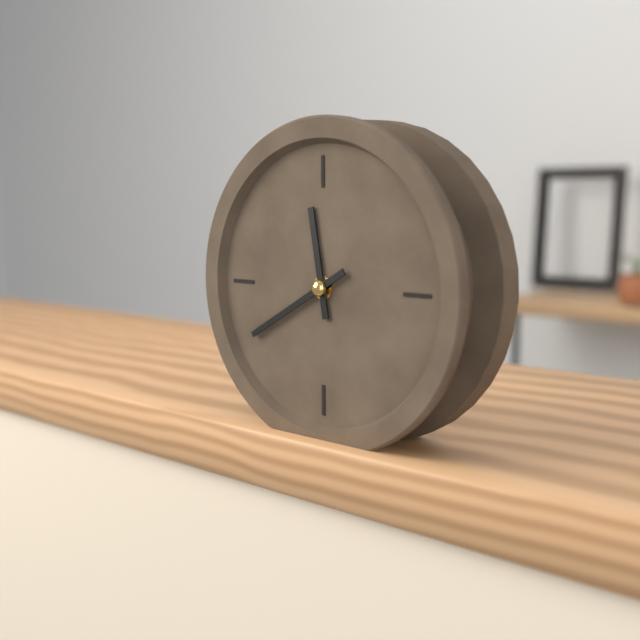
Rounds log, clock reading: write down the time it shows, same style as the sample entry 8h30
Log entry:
11h40
